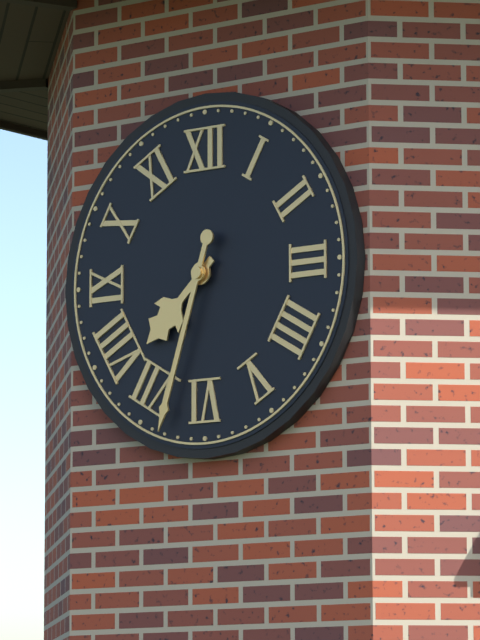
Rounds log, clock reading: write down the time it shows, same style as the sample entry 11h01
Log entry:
7h33
